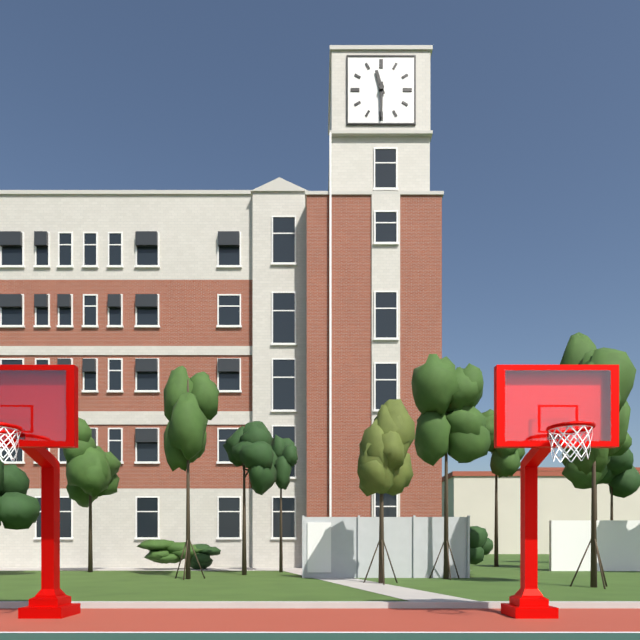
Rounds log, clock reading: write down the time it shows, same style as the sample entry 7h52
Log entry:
11h30
